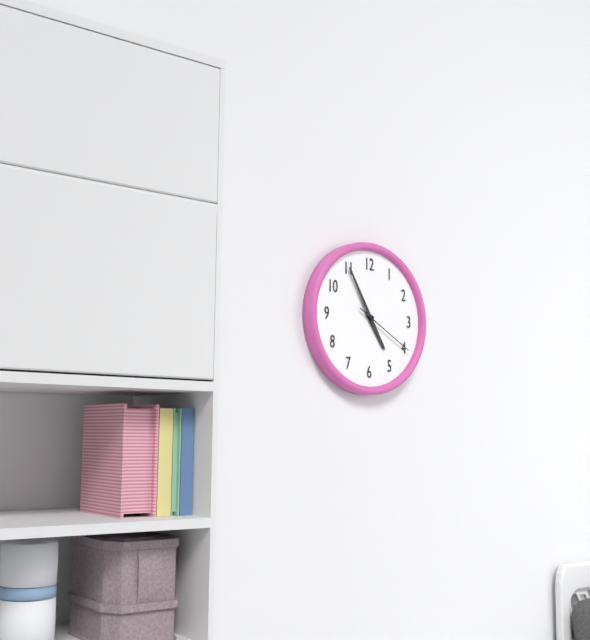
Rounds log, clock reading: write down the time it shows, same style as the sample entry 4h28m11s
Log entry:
4h55m20s
